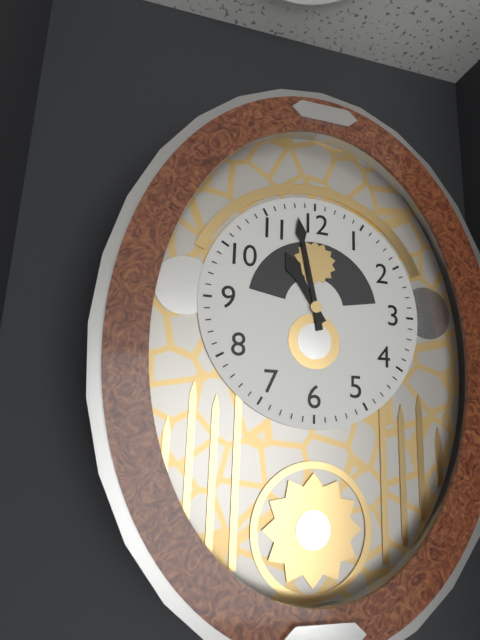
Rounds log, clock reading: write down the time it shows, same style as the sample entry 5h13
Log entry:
10h58
